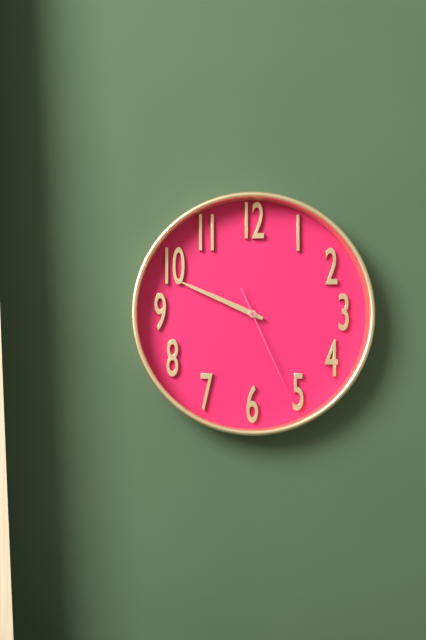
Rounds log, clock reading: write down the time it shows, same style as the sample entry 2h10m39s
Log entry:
9h49m26s
